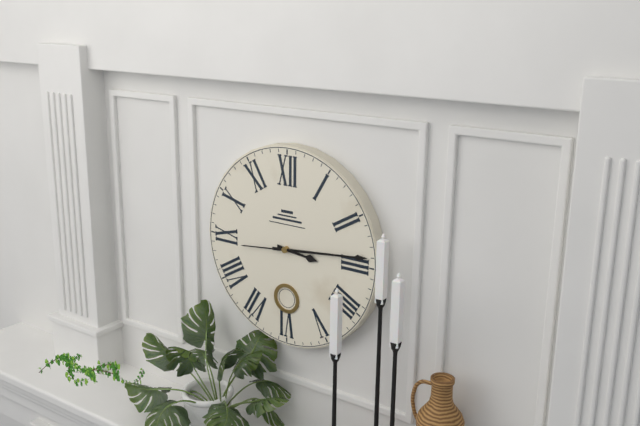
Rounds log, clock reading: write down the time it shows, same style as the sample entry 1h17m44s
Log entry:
3h14m44s
